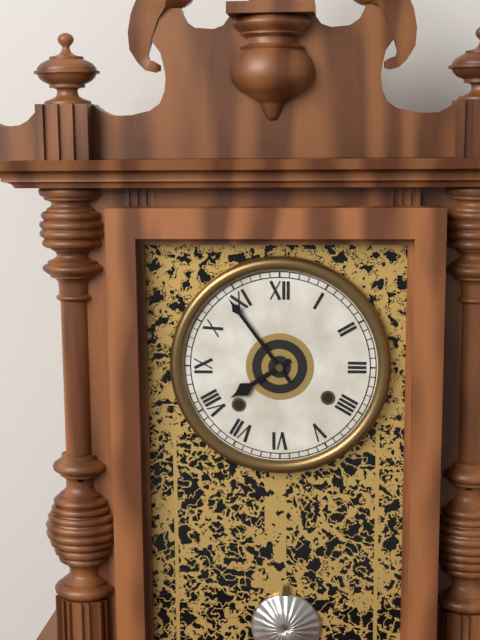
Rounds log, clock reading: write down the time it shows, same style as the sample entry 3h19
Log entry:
7h54
